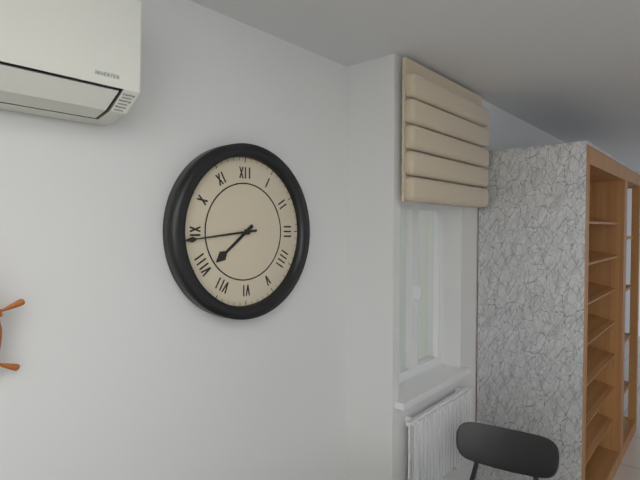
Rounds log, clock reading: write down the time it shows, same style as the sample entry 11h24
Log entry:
7h44
